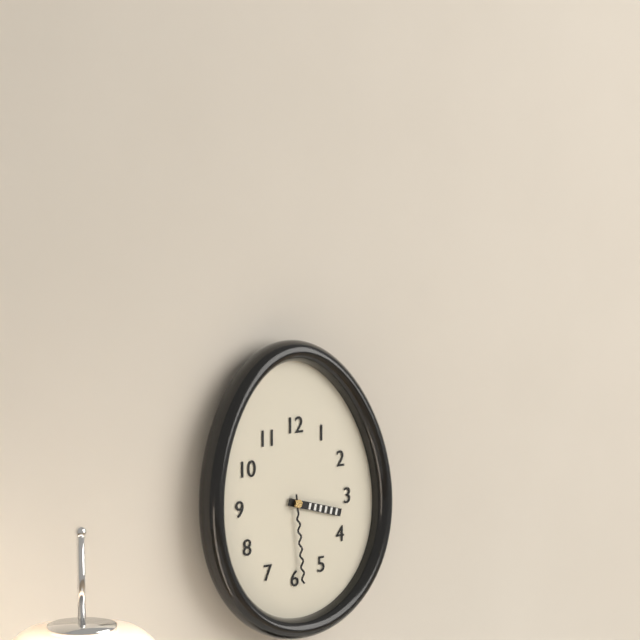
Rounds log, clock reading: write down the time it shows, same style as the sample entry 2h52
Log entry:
3h29
